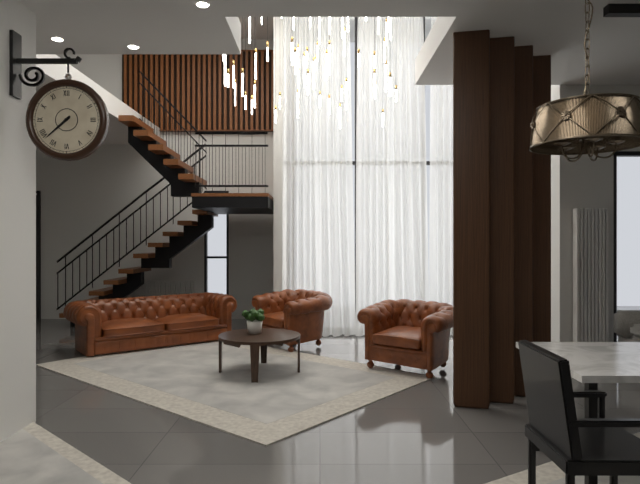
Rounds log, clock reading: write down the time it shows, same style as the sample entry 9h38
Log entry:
7h38
